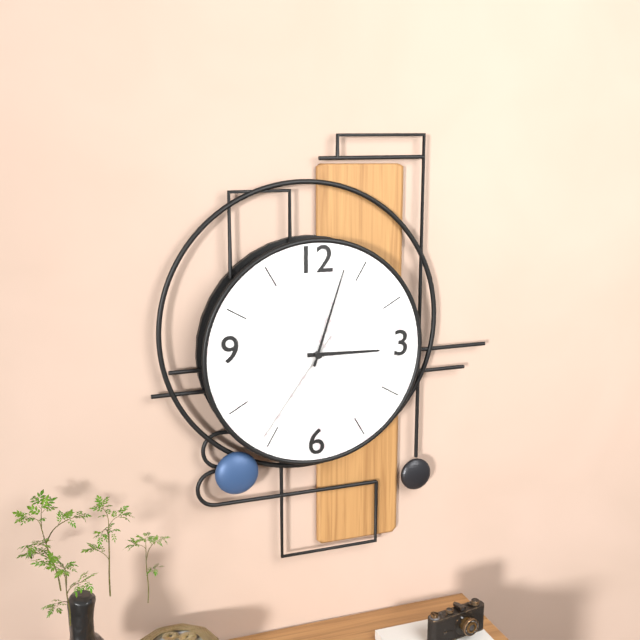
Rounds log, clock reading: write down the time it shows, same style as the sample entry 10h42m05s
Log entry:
3h03m36s
